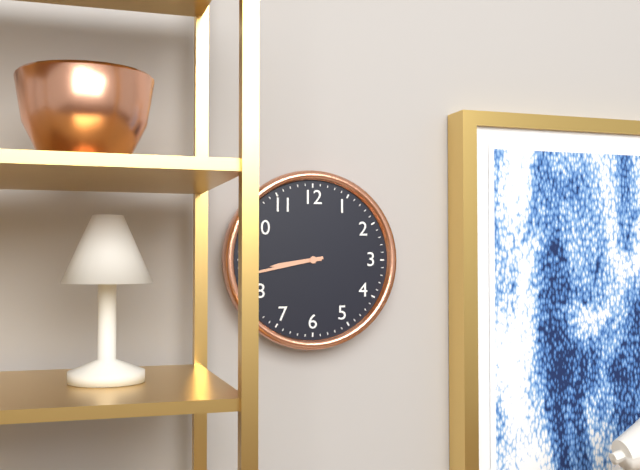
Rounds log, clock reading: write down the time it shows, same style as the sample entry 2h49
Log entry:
8h43
